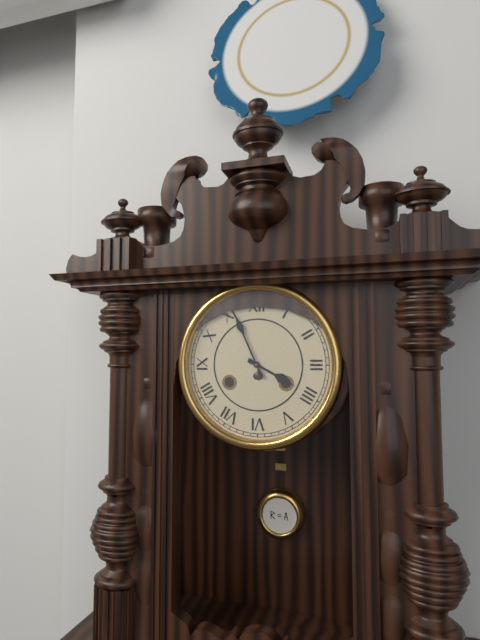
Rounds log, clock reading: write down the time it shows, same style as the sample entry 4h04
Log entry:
3h56
